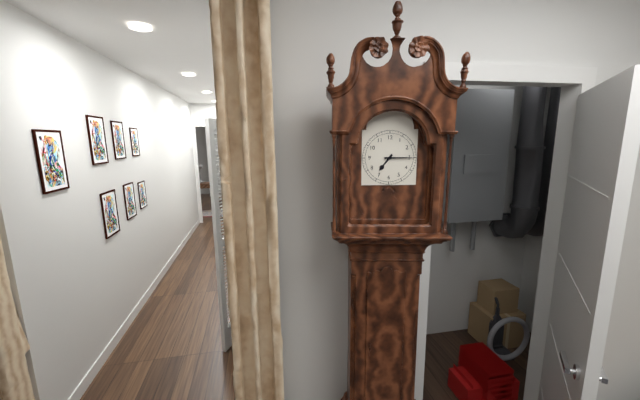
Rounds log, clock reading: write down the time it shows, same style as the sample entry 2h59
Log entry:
7h15
